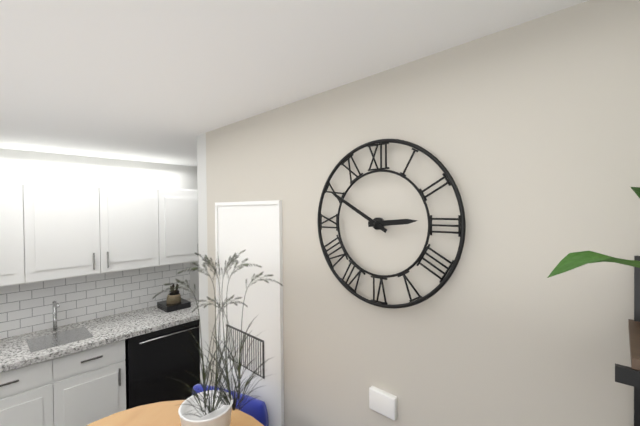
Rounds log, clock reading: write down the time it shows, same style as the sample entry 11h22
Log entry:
2h50
